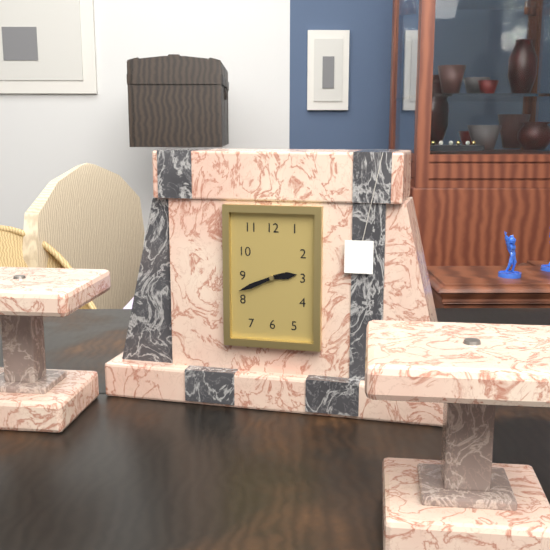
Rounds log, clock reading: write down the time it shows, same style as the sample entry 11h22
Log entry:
2h41
